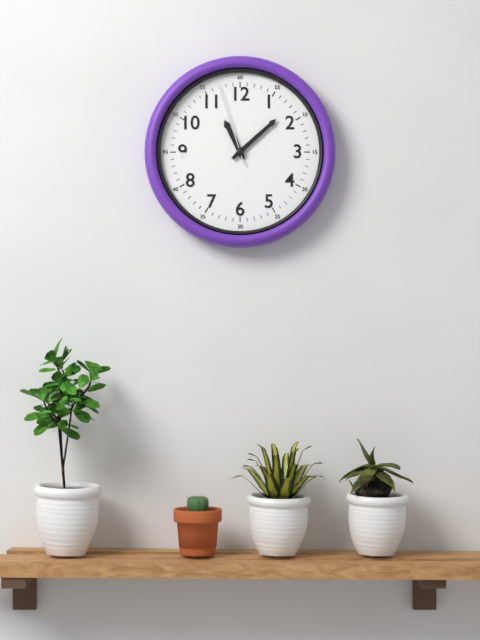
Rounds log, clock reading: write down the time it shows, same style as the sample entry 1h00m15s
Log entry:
11h08m57s
